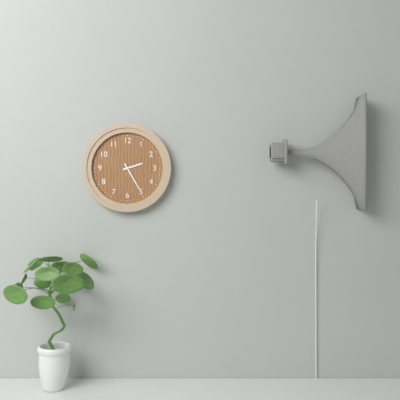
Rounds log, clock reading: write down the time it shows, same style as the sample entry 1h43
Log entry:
2h25
